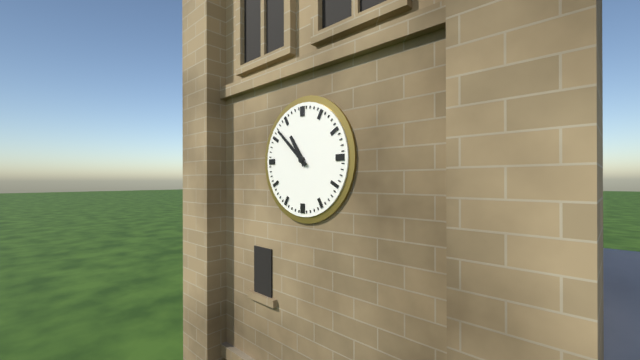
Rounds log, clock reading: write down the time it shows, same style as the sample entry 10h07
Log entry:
10h52
